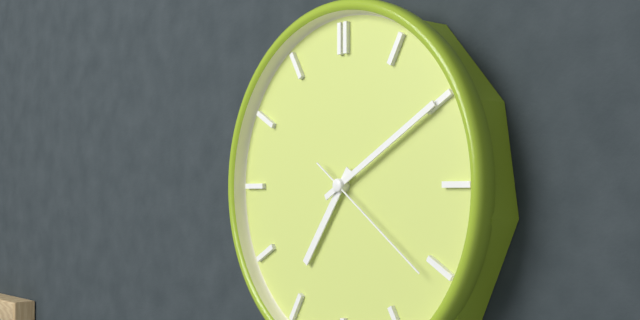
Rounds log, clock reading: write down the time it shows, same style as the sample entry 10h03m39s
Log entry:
7h10m21s
